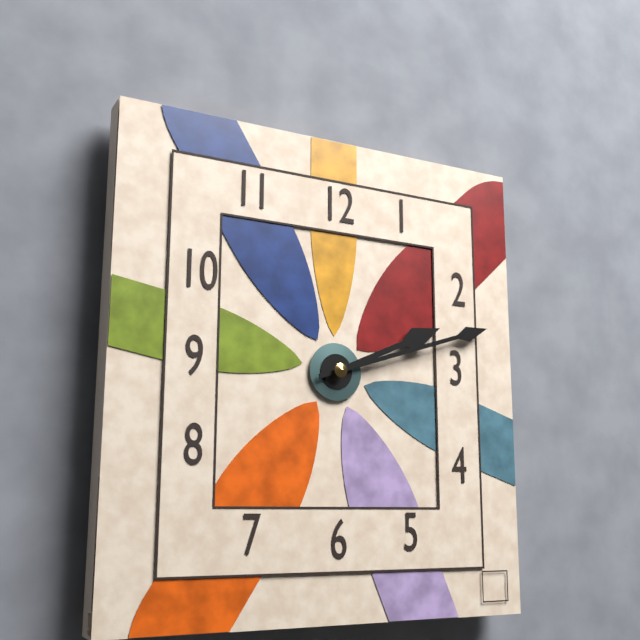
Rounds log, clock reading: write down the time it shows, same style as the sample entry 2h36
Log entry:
2h12
